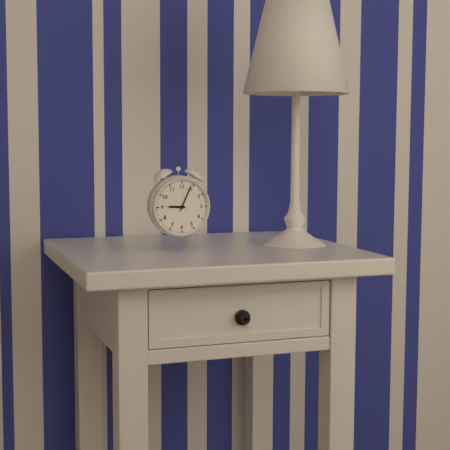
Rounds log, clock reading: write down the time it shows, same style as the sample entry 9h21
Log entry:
9h04
